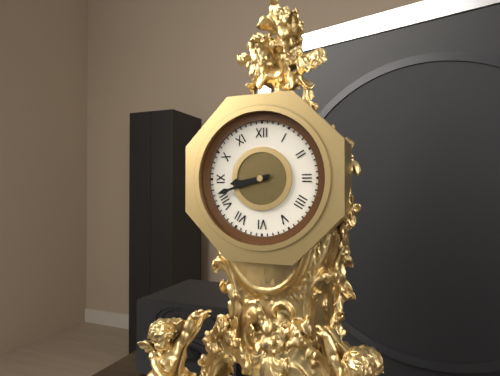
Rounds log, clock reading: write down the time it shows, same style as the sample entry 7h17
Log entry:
8h42
